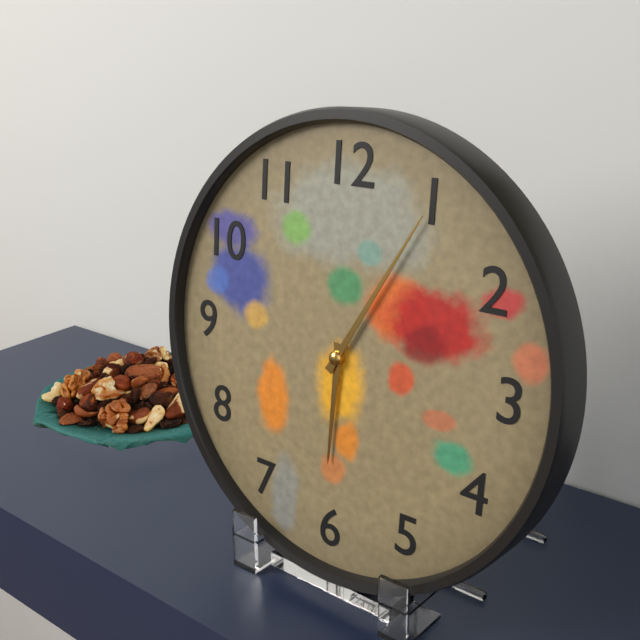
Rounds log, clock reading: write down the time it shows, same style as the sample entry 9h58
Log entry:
6h05
